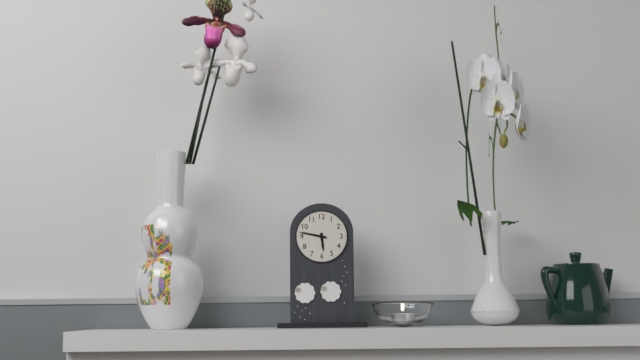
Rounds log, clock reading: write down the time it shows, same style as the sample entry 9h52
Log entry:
5h47
